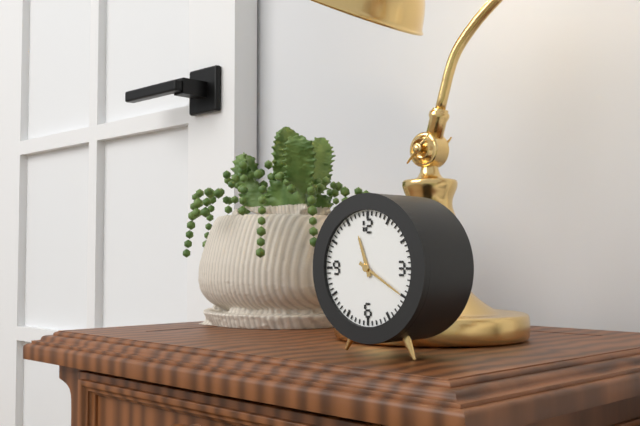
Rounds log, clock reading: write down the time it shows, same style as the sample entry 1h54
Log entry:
11h20
